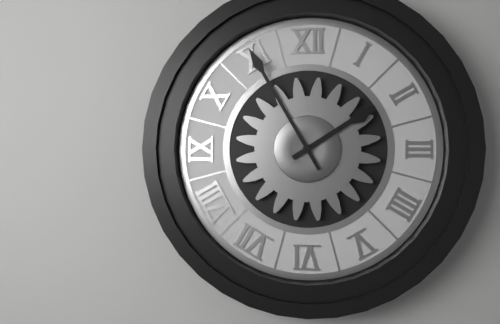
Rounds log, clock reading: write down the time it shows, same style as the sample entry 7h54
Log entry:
1h55
